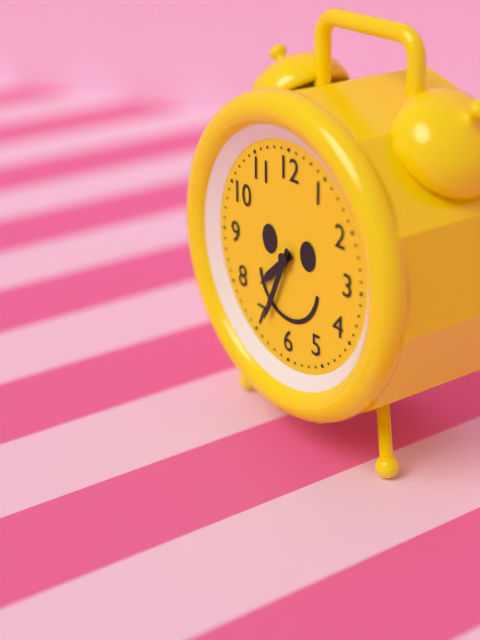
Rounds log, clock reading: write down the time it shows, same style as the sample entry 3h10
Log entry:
7h34
